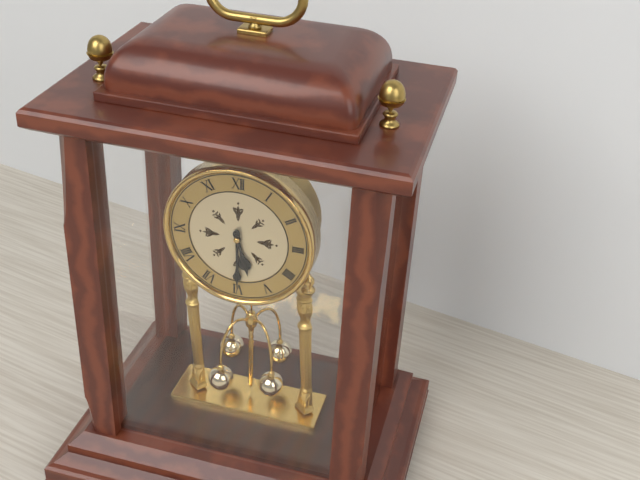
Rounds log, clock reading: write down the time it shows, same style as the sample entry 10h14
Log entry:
5h30
